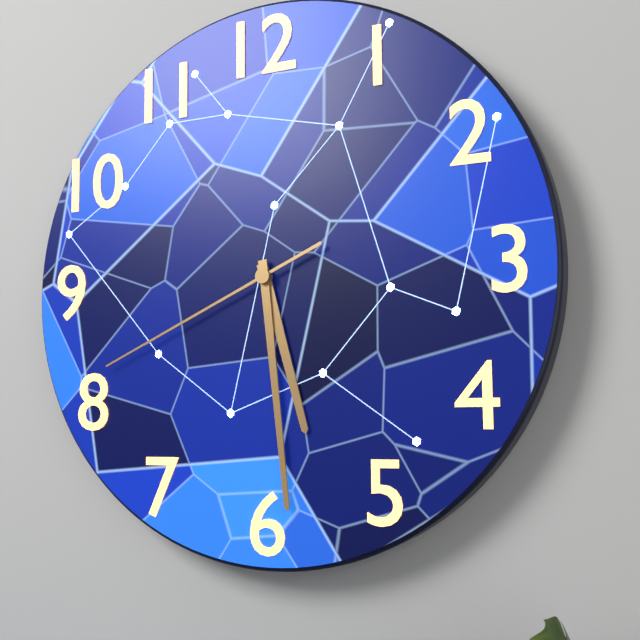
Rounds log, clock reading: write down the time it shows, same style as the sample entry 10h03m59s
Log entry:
5h29m41s
